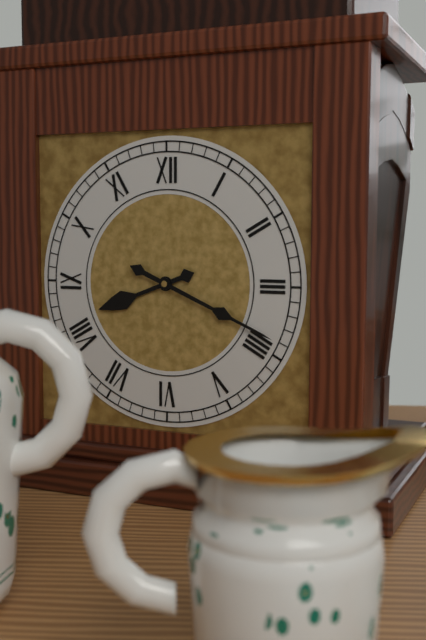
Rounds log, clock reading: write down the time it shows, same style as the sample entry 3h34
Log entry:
8h19
